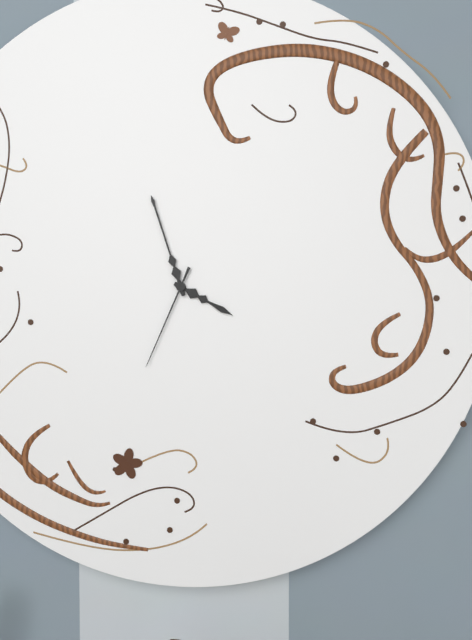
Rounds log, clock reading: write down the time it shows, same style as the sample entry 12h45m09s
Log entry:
3h57m34s
